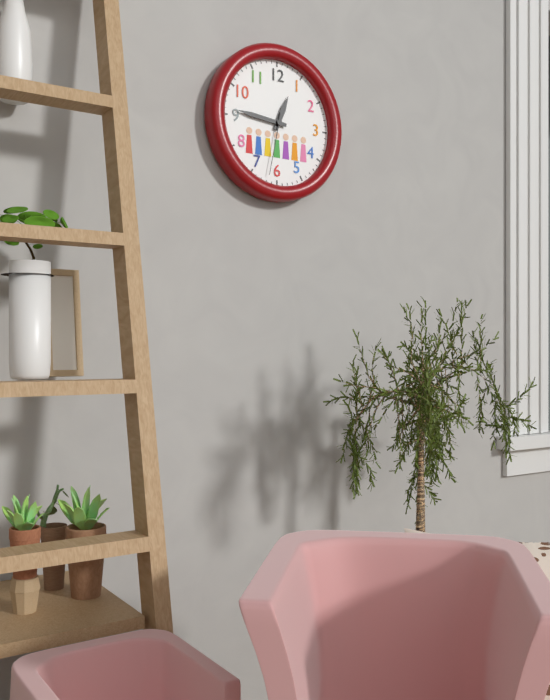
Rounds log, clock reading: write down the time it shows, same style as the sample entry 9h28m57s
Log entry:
12h46m32s
